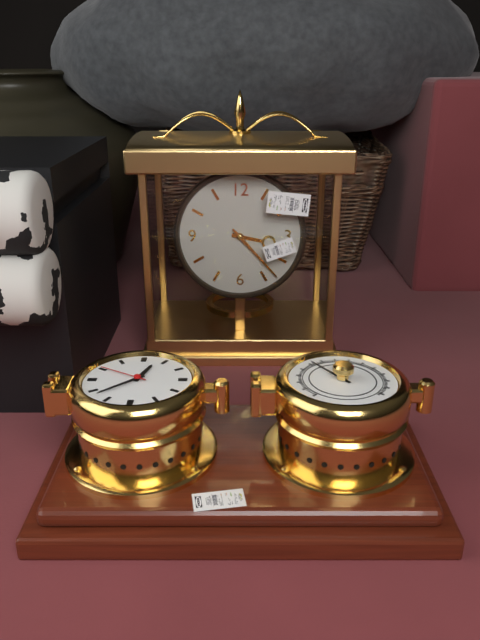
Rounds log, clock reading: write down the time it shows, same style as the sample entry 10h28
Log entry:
3h23
